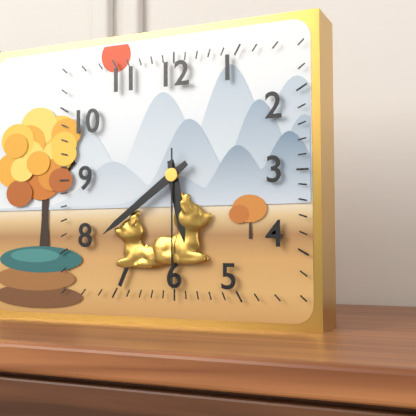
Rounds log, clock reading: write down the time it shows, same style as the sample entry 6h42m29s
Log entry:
5h39m30s
